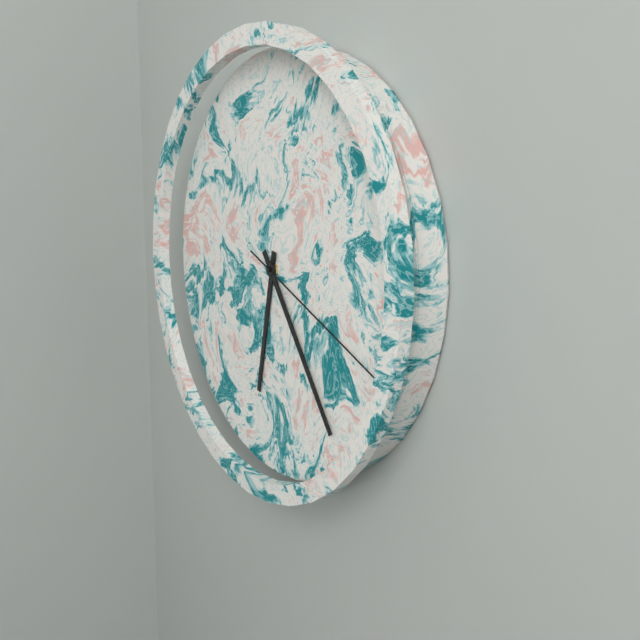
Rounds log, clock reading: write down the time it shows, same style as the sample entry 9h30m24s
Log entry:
6h24m19s
